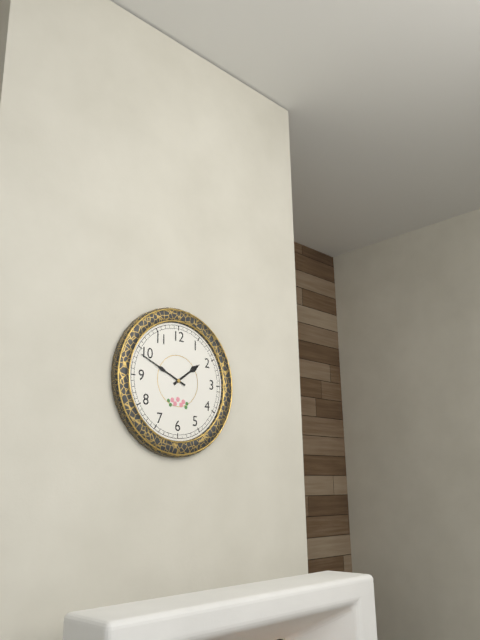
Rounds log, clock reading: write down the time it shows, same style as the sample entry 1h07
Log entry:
1h49
